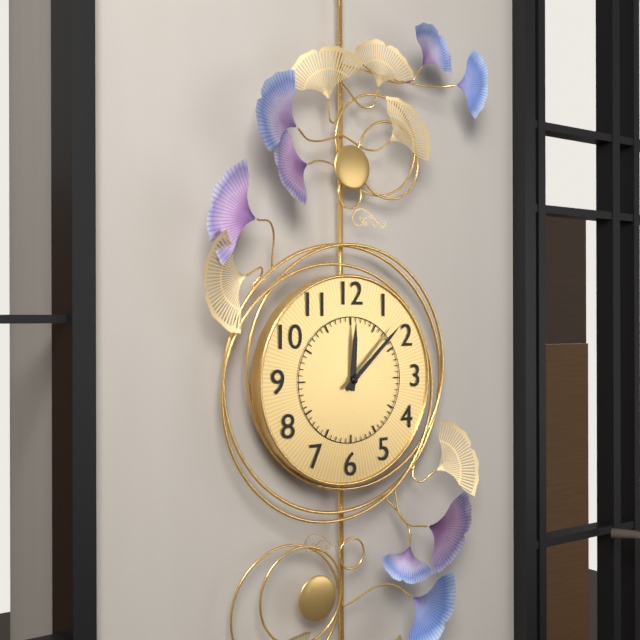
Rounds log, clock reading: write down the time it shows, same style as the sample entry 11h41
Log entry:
12h08
